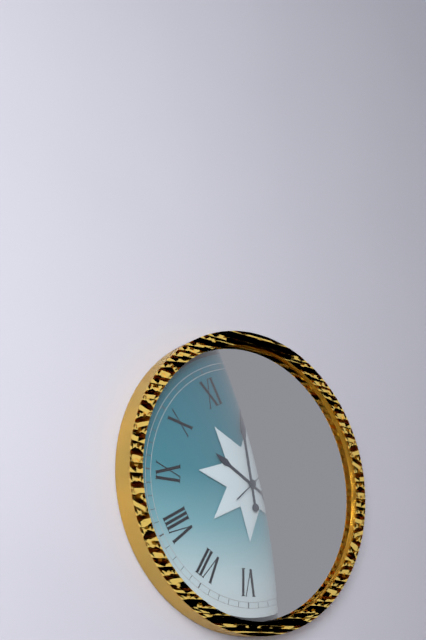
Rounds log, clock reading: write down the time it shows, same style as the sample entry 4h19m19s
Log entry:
9h58m08s
